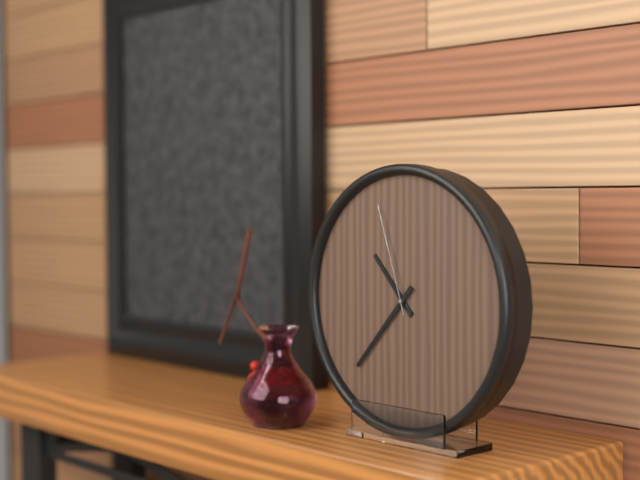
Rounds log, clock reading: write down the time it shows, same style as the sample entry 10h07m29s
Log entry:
10h37m57s
